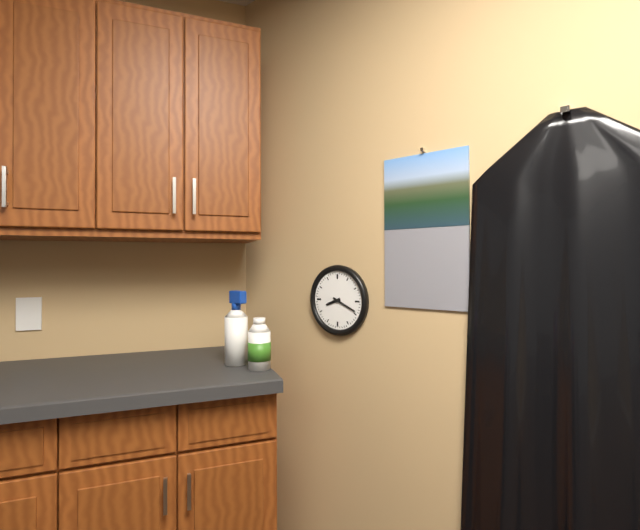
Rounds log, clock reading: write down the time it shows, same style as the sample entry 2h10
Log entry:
8h19
